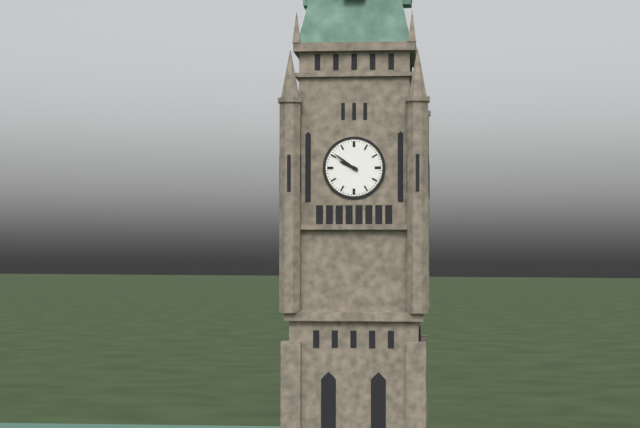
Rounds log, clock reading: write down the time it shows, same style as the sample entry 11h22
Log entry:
9h51
